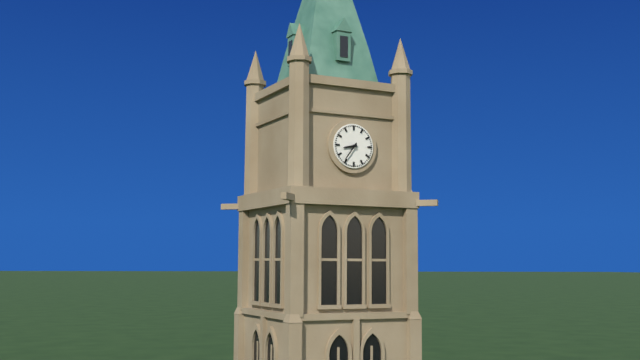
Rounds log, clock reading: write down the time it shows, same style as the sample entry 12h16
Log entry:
8h36
